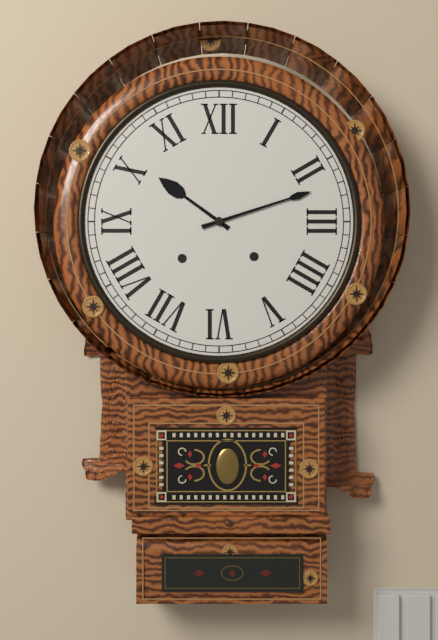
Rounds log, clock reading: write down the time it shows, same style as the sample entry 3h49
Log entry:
10h12
